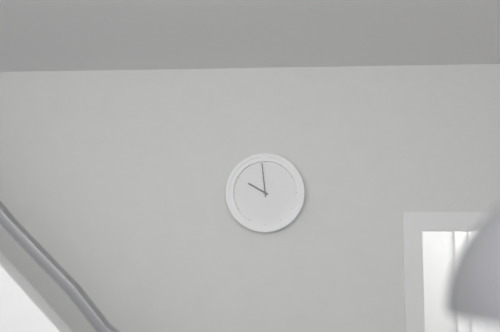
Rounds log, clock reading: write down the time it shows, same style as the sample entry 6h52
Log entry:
9h59
